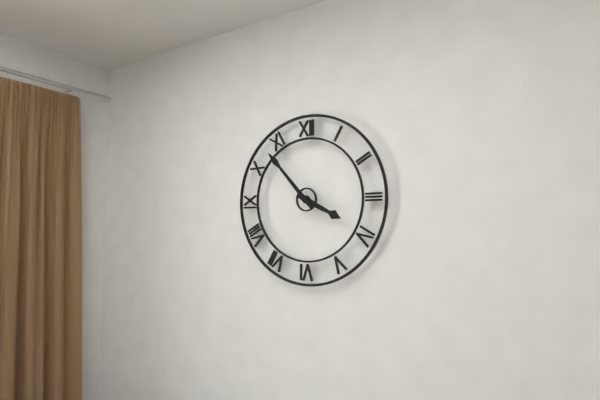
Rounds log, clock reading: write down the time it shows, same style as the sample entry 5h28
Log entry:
3h53
